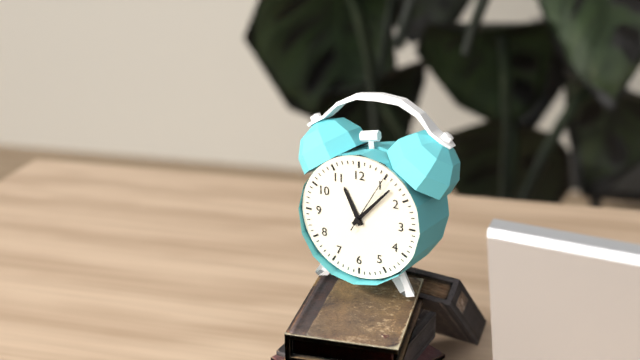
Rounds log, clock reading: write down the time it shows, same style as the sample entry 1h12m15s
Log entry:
11h07m05s
